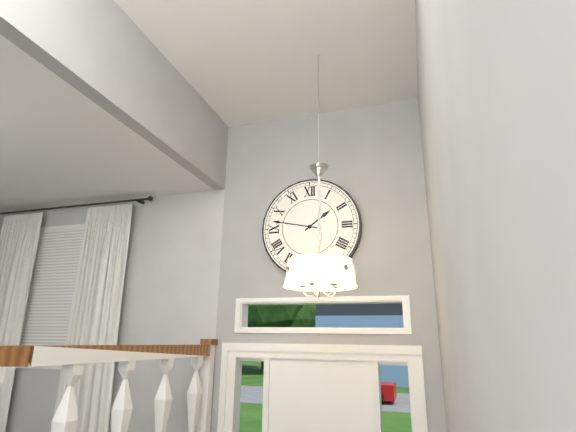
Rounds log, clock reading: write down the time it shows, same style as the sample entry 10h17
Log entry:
1h47
